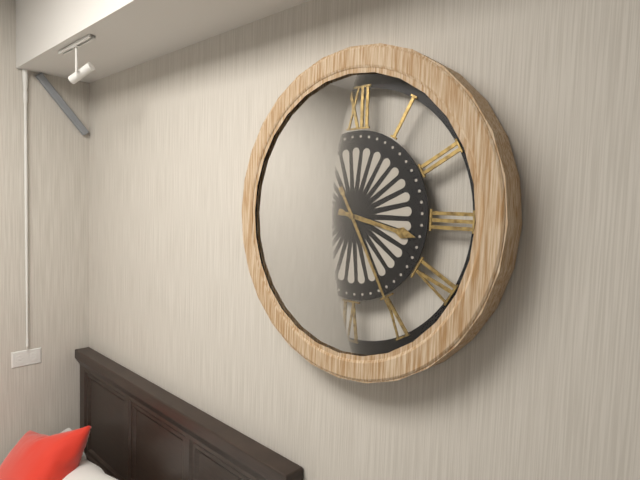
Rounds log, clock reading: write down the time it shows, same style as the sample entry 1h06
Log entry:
3h25
